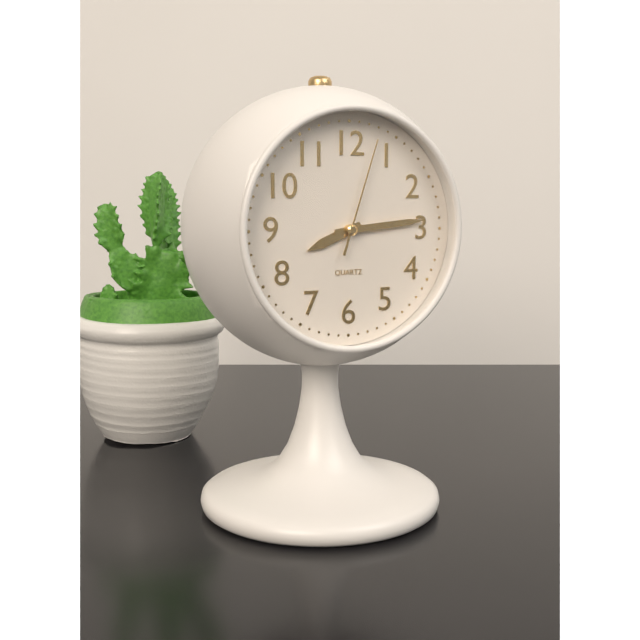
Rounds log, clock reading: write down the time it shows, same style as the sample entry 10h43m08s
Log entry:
8h14m03s
